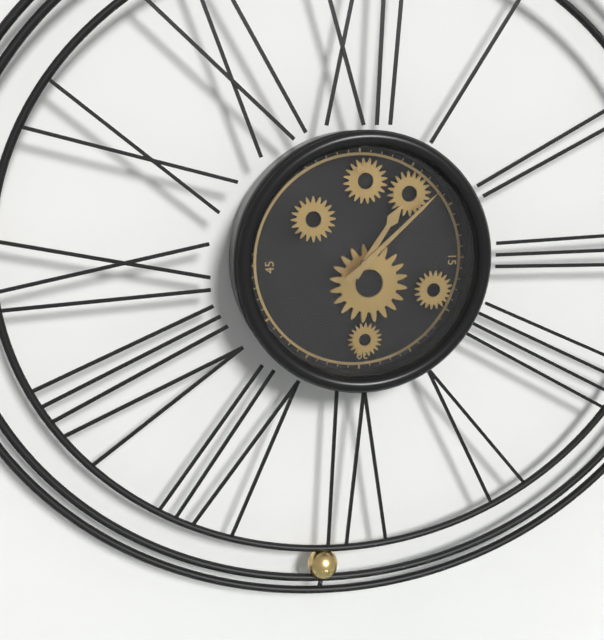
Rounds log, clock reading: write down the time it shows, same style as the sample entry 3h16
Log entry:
1h08
